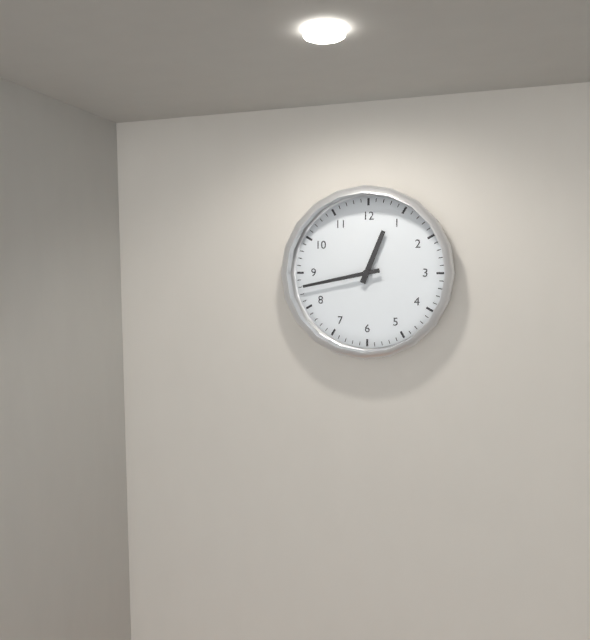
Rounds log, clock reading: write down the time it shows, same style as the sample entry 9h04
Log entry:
12h43
